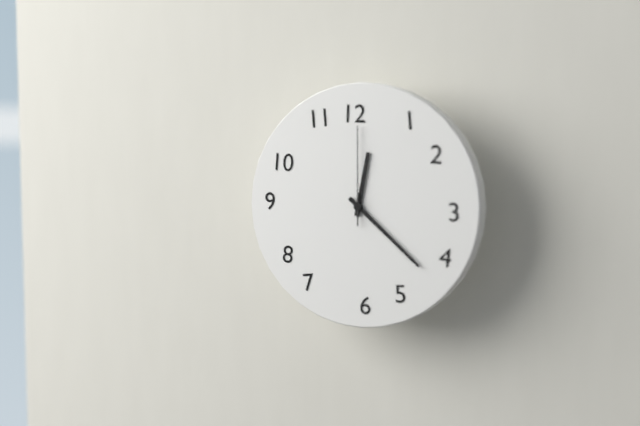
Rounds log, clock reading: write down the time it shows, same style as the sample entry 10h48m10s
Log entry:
12h22m00s
